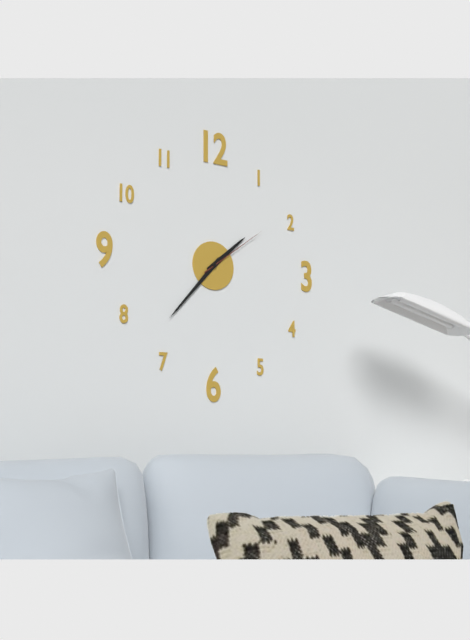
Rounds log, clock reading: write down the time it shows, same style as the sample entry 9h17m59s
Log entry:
1h37m09s
